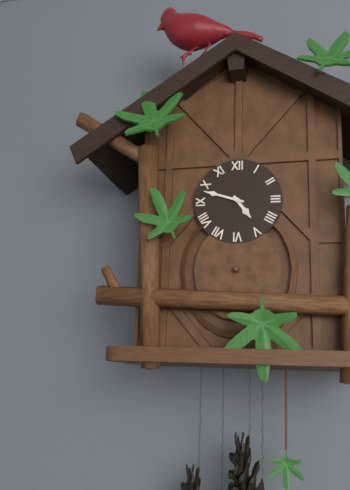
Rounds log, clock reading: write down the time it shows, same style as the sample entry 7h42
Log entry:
4h48
